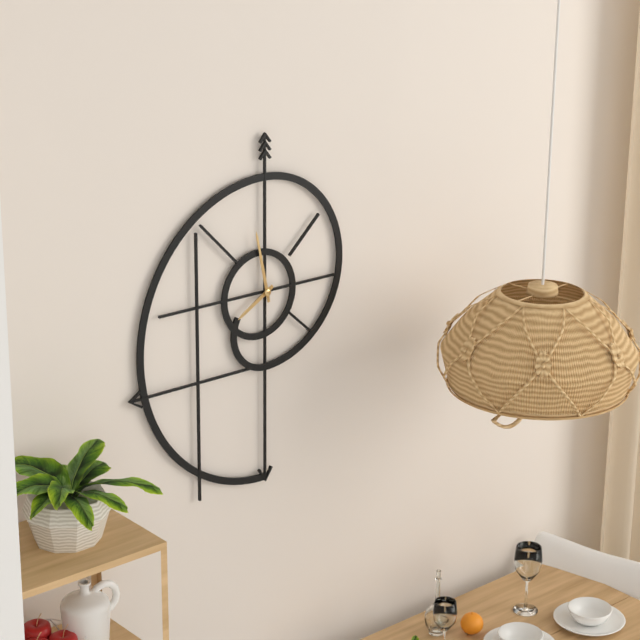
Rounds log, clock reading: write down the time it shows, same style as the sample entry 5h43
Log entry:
7h58
